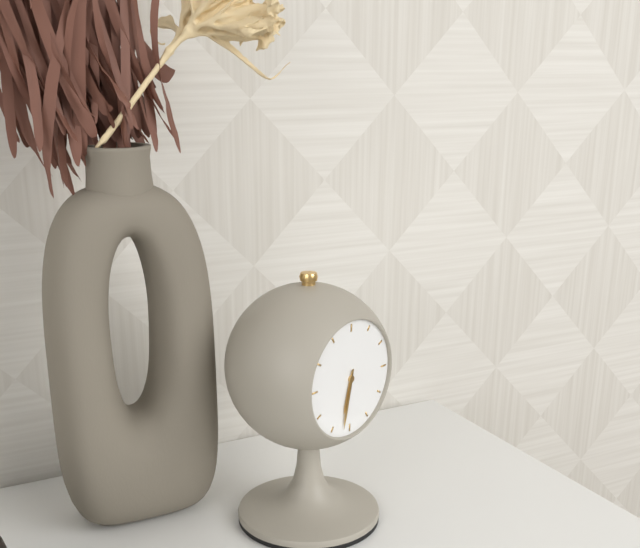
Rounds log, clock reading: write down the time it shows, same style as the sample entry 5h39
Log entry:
6h32
